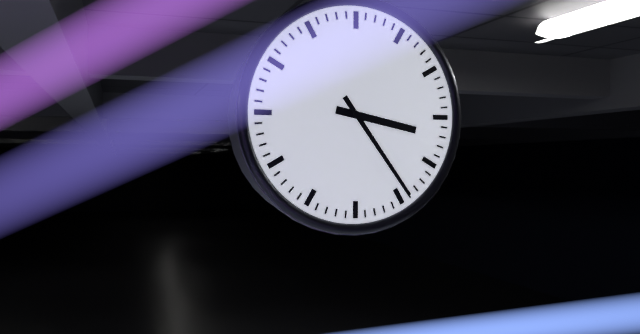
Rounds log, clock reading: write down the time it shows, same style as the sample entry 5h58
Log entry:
3h24
